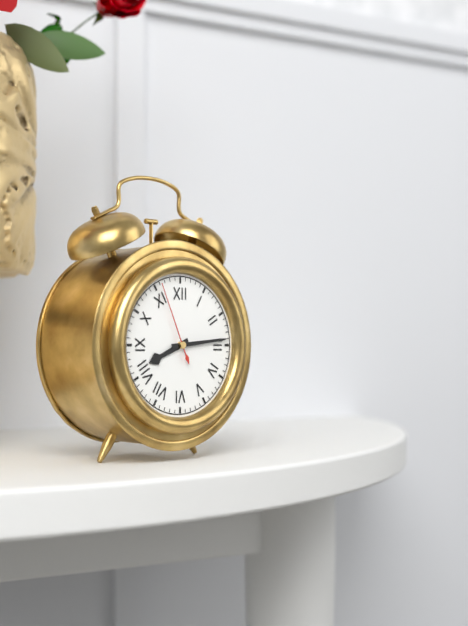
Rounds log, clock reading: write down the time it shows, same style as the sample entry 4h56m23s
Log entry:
8h14m56s
